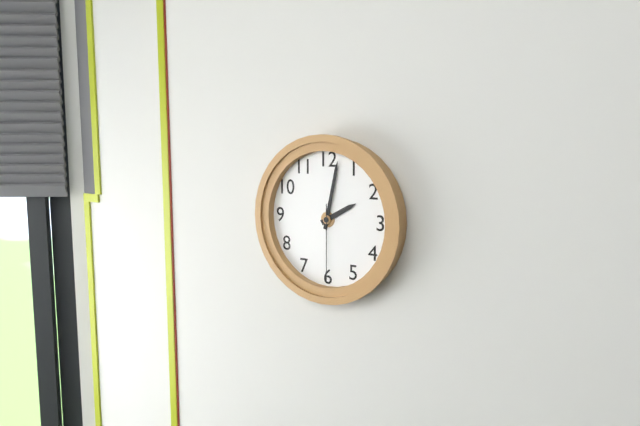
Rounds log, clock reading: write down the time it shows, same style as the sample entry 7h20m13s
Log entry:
2h02m30s
